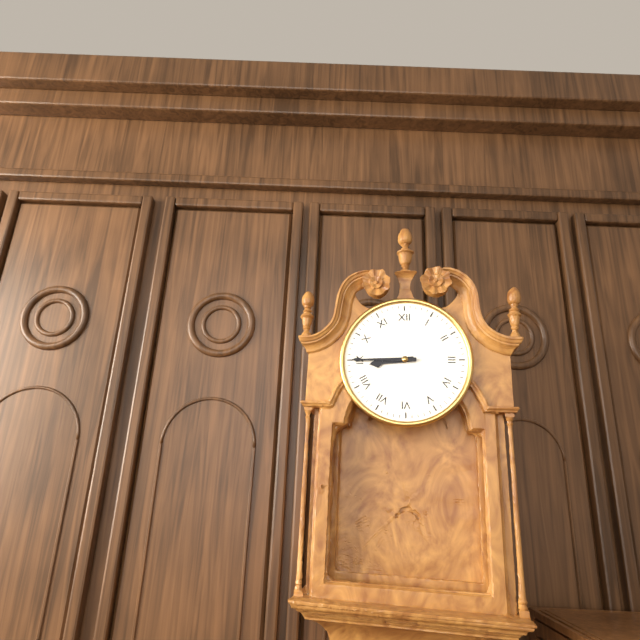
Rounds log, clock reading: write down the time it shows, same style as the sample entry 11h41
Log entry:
8h45
